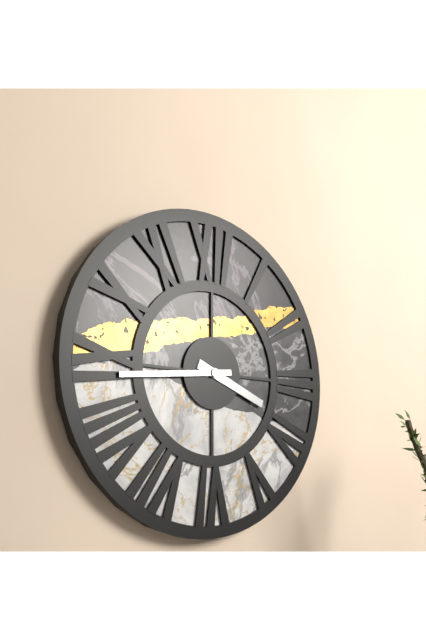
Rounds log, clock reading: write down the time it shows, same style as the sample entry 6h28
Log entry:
3h44
